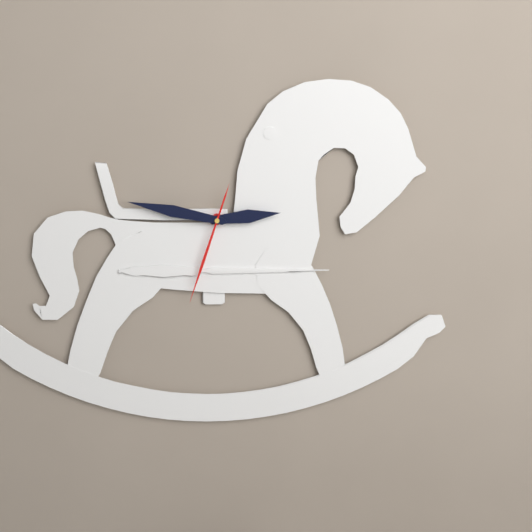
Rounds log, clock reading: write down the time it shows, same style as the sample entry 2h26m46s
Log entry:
2h47m33s
